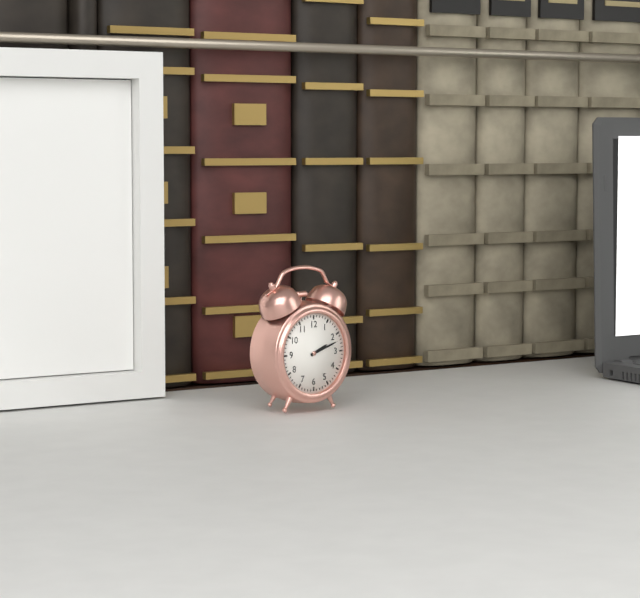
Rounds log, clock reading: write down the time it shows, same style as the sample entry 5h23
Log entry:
2h12
